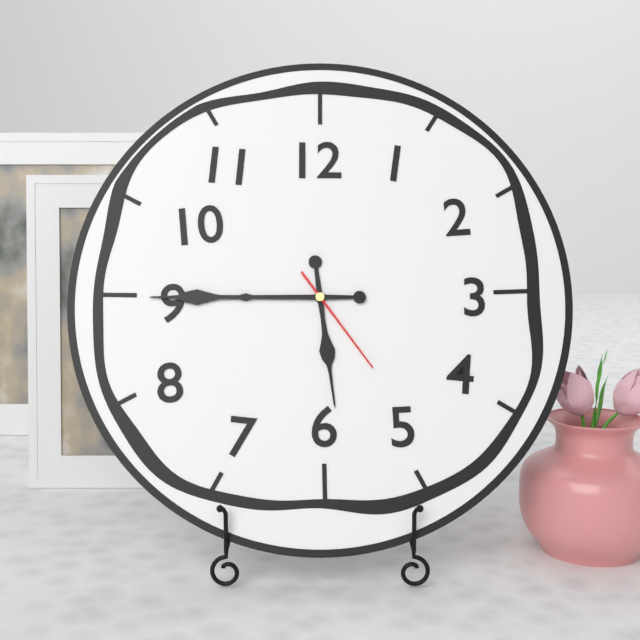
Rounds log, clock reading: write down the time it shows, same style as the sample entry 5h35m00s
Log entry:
5h45m24s
